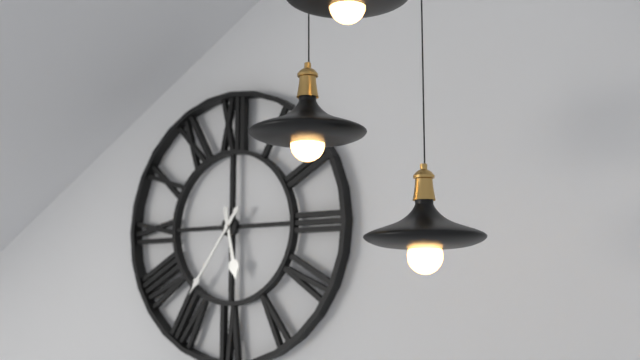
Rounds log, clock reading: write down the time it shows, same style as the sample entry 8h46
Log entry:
5h36
